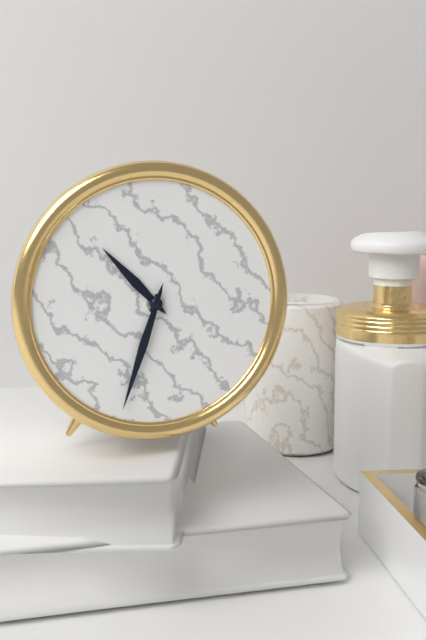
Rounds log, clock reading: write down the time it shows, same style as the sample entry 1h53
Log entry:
10h33
